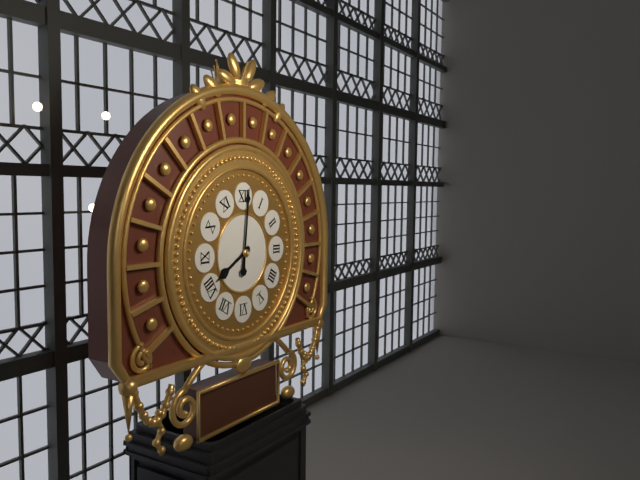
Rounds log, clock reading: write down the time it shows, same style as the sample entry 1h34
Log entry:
8h01
